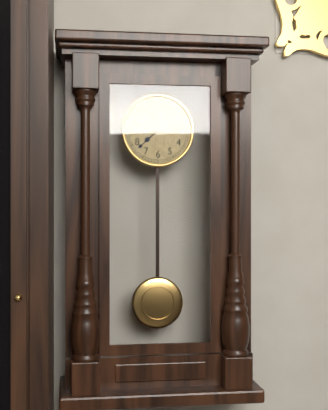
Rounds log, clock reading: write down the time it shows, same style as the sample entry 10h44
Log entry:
7h38
